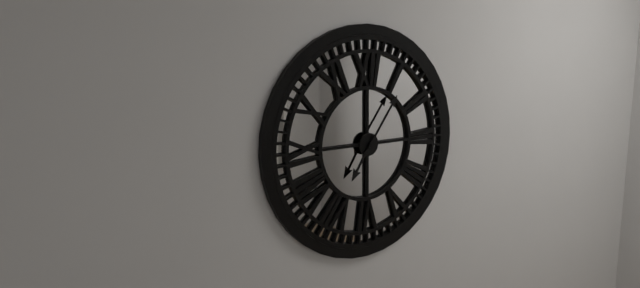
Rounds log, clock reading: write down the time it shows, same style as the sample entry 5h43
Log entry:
7h06
